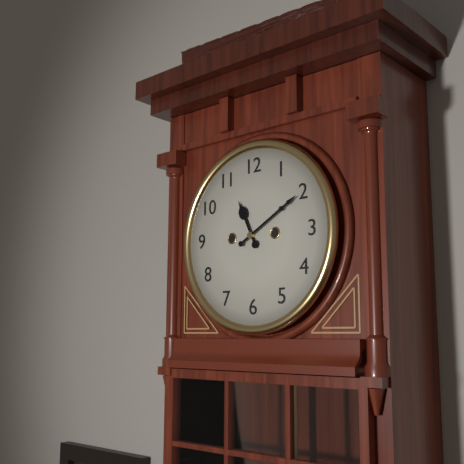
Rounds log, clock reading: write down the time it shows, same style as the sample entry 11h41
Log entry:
11h10
